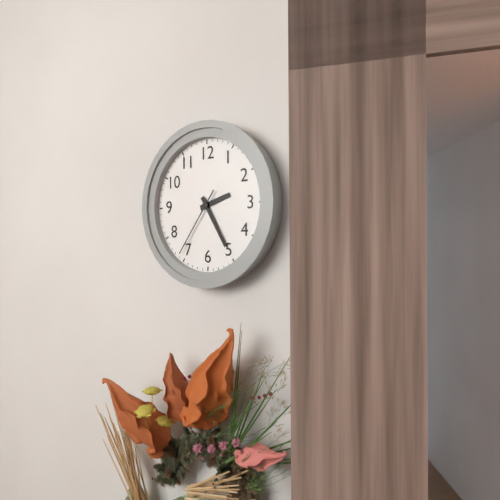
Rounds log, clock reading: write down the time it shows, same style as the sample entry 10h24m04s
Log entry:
2h25m36s
